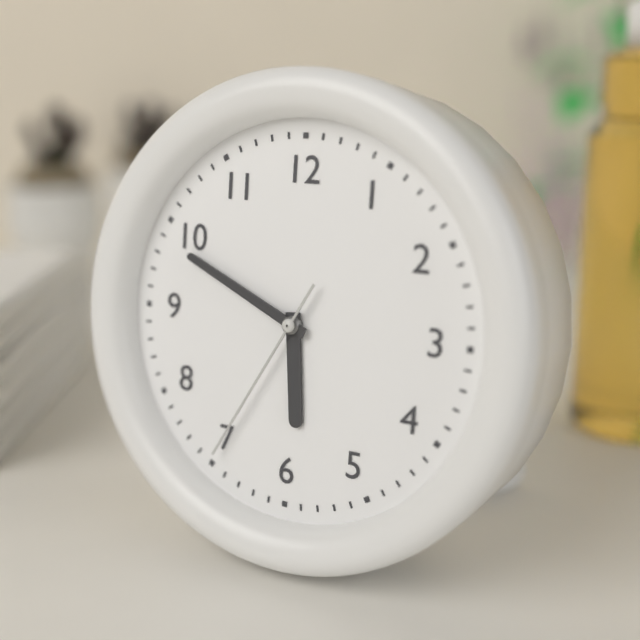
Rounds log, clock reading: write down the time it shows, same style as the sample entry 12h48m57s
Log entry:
5h49m35s
